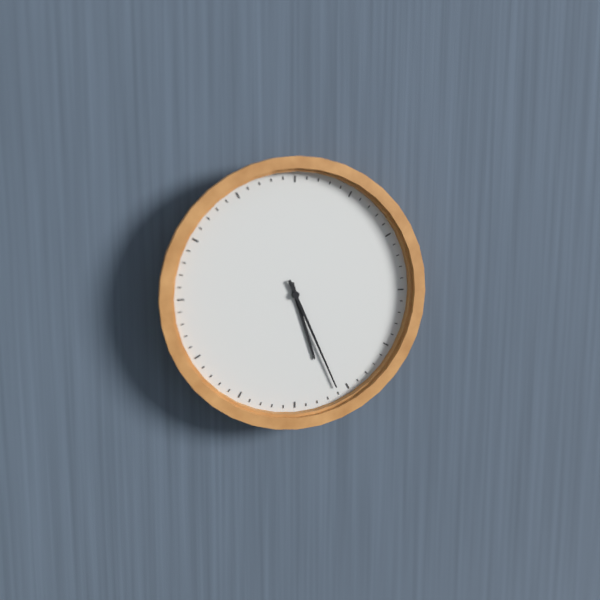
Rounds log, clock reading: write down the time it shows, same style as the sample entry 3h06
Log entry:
5h26
